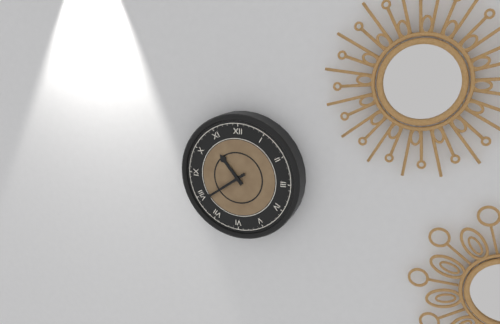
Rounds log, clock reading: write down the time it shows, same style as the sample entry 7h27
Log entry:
10h39
